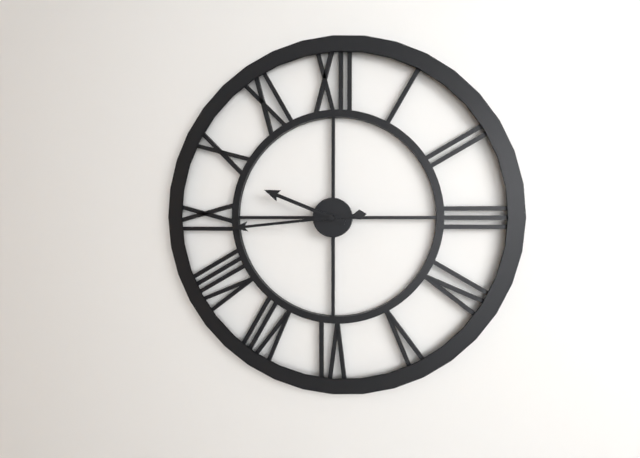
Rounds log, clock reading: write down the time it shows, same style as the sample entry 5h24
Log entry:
9h44
